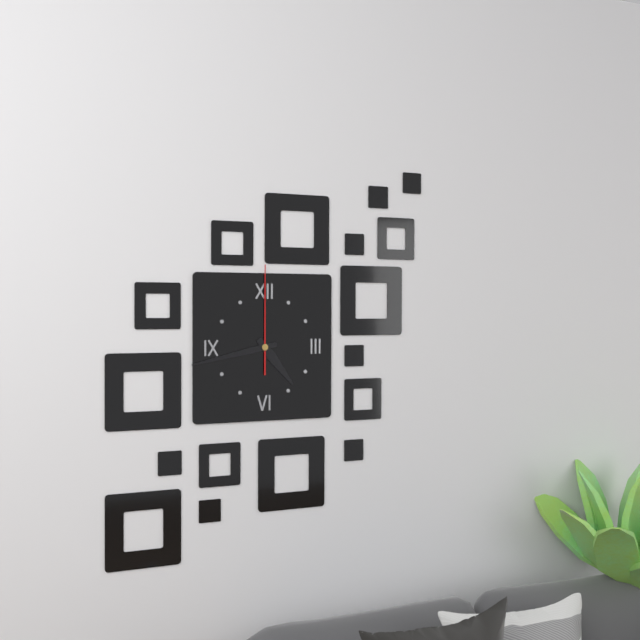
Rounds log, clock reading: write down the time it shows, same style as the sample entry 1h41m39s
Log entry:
4h43m00s
